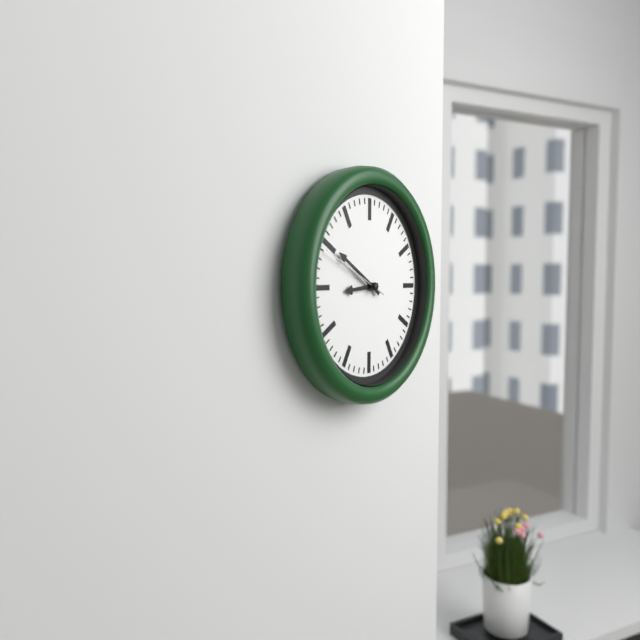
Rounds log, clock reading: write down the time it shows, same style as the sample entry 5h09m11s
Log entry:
8h50m49s
